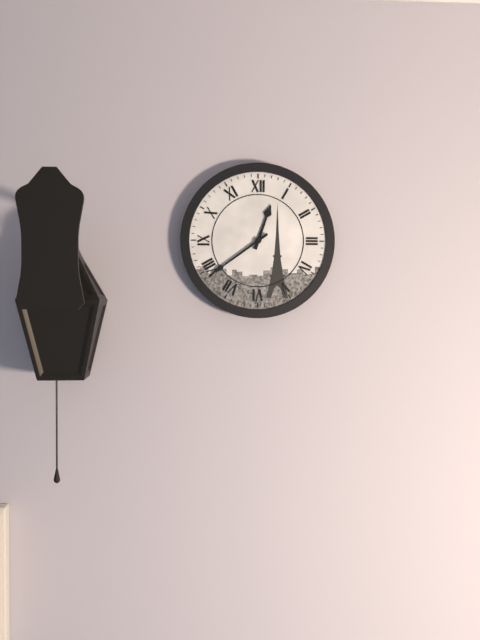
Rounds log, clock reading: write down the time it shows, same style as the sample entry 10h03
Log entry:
12h39
